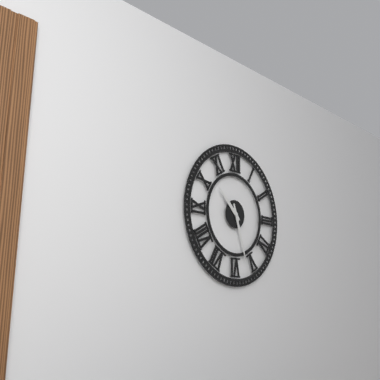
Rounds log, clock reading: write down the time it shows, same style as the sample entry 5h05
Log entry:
10h27
